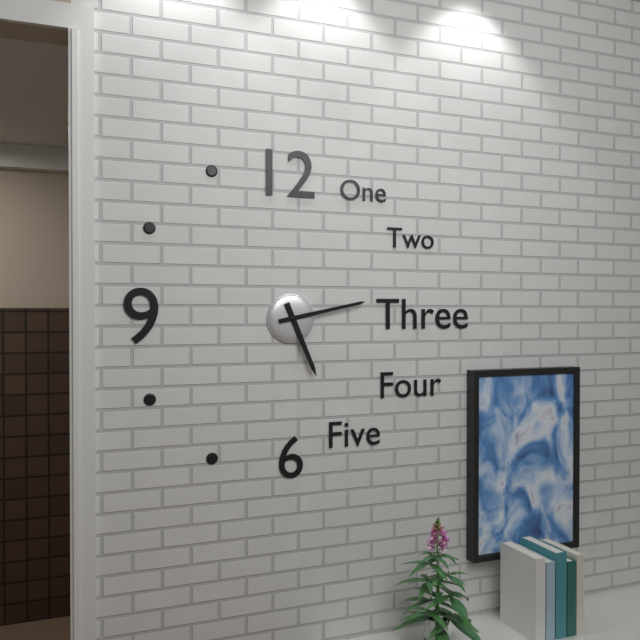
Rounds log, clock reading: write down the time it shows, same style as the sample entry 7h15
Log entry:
5h13
